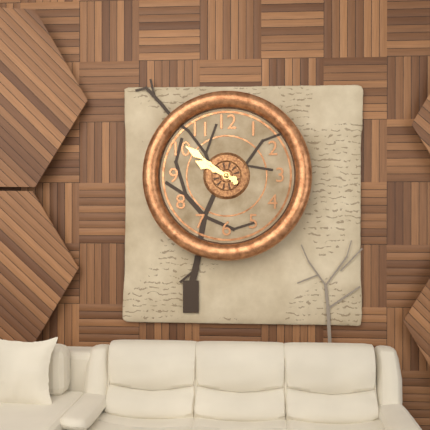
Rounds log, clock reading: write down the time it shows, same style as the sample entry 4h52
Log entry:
9h51
